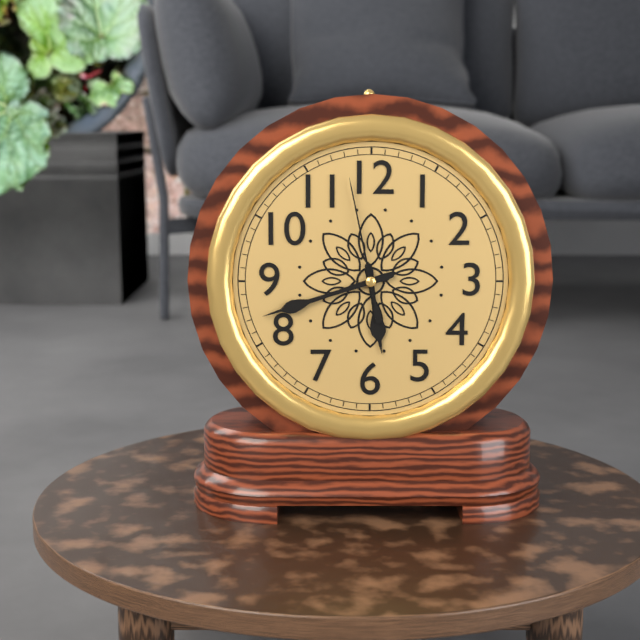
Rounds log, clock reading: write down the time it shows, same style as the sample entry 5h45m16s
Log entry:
5h42m58s
